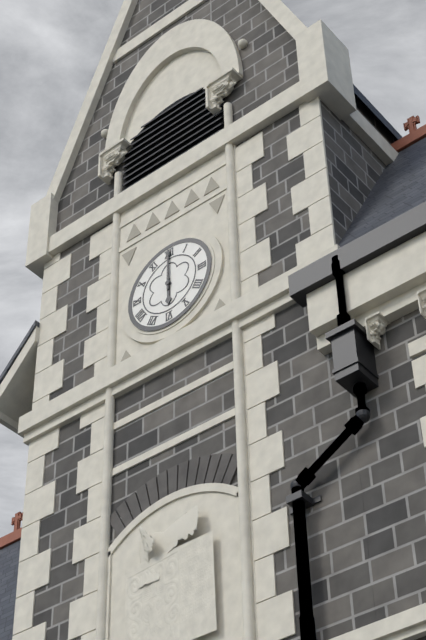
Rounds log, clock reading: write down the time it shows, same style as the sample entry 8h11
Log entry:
6h00
